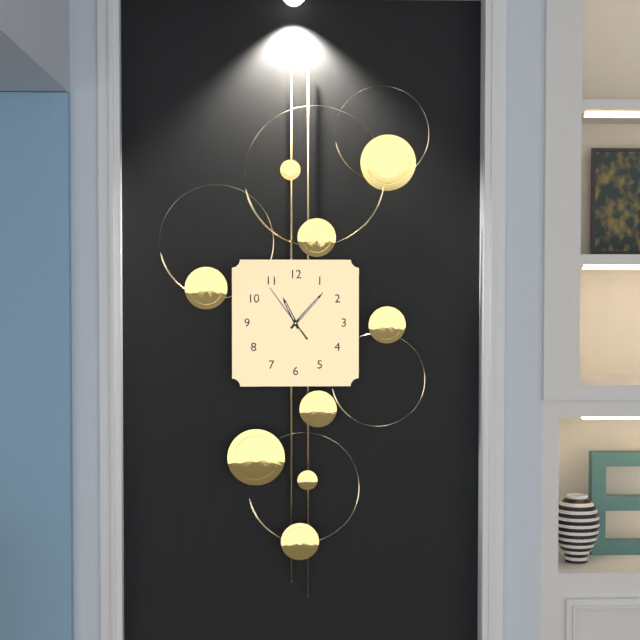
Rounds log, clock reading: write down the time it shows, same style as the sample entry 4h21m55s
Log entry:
11h07m54s
